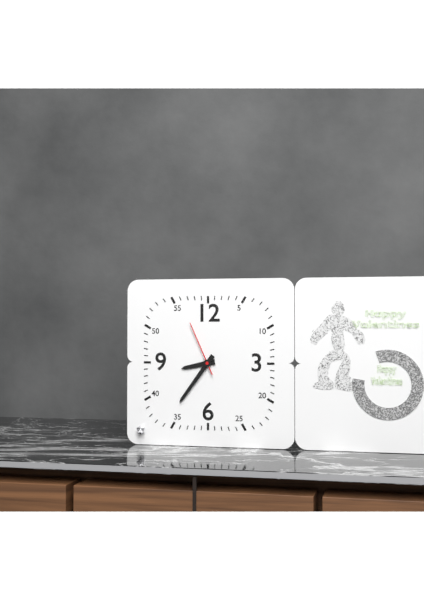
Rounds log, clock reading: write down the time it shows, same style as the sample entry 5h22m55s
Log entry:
8h36m56s
